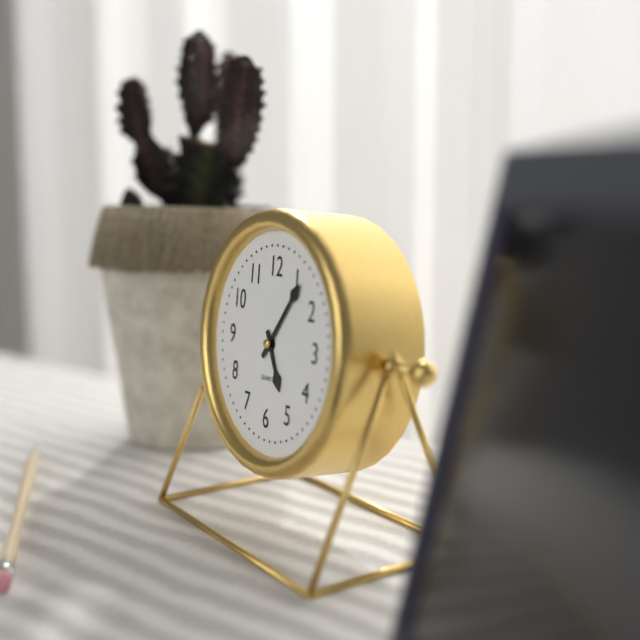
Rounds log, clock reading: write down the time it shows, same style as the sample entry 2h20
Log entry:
5h06
